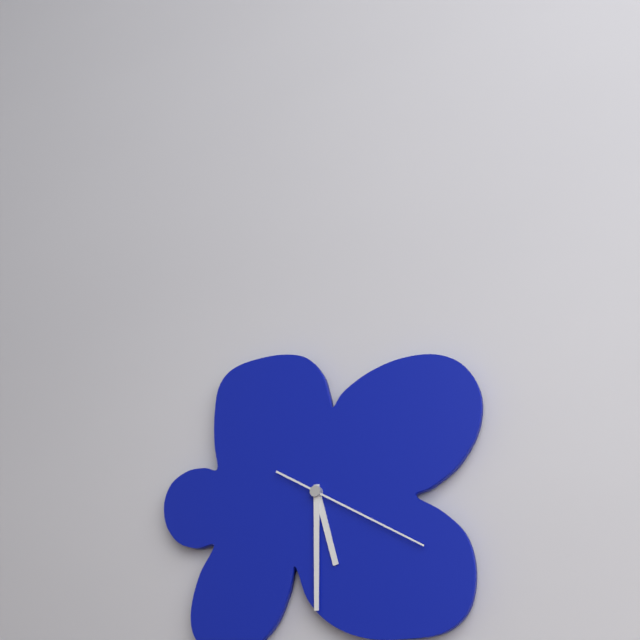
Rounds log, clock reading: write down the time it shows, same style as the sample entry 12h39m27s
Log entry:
5h30m20s
